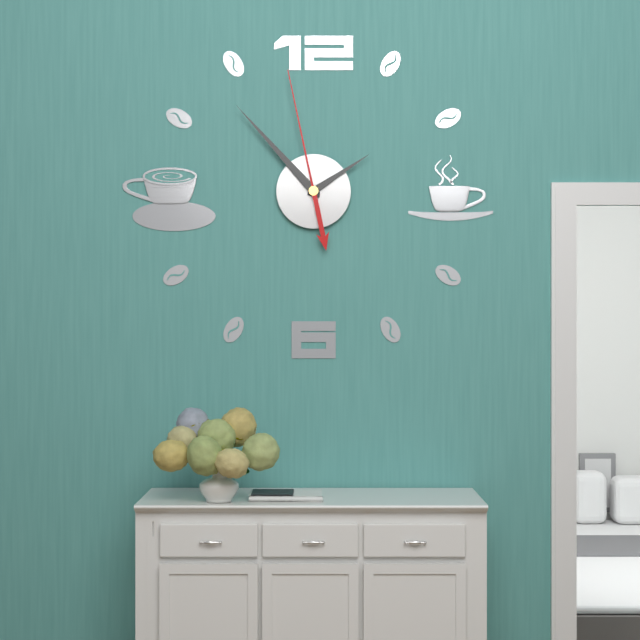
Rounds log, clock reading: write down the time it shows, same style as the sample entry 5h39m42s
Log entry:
1h53m58s
